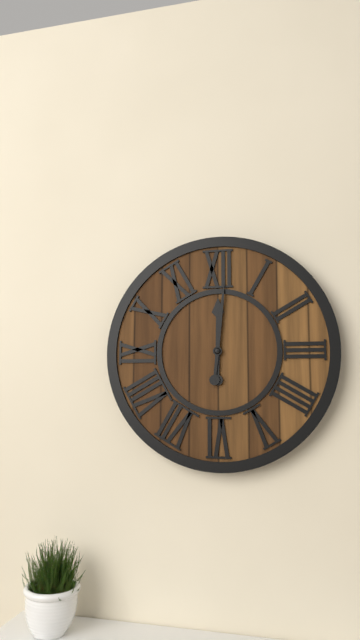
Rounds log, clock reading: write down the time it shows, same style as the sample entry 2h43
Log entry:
12h01
